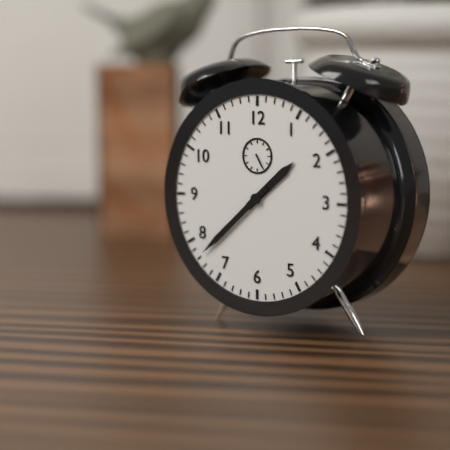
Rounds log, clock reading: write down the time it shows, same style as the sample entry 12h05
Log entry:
1h38
